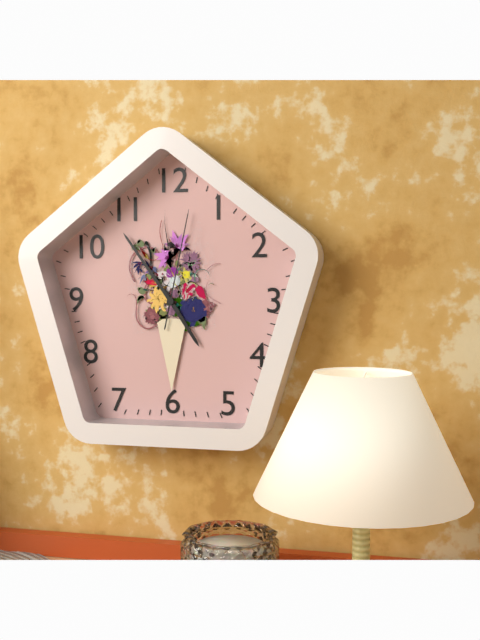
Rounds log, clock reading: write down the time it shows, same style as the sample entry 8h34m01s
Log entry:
4h54m02s
